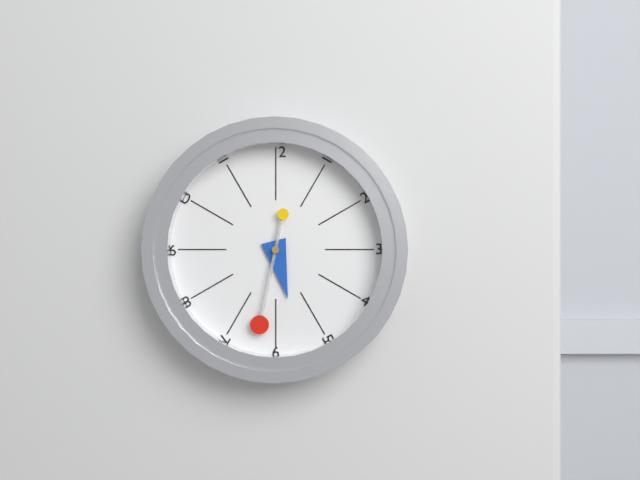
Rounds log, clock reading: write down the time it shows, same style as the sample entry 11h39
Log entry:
5h32
